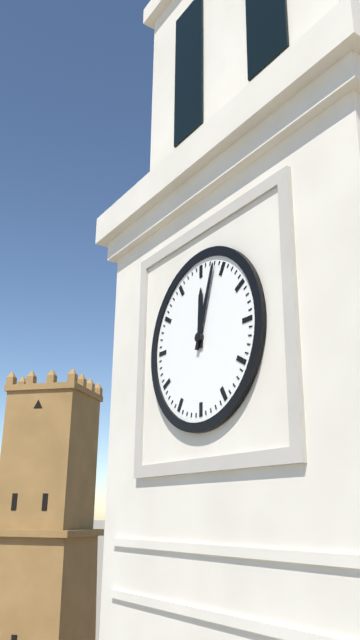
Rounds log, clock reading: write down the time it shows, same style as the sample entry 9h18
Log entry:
12h03
